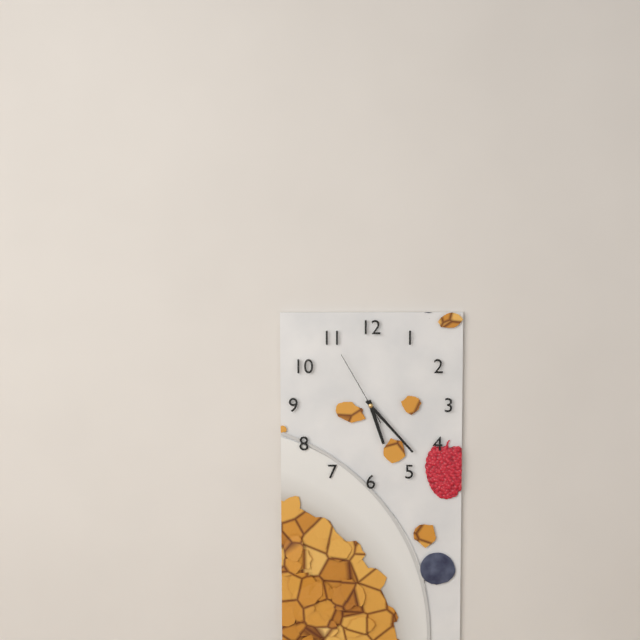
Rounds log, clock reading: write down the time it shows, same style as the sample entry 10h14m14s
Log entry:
5h23m55s
